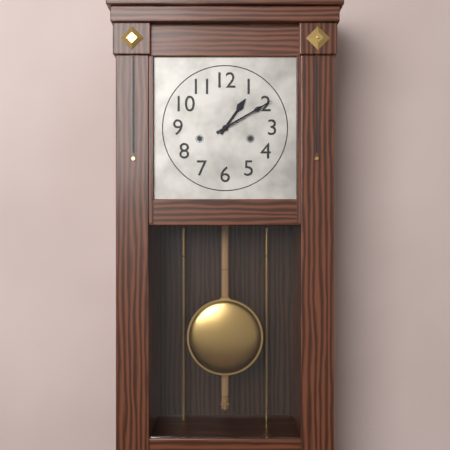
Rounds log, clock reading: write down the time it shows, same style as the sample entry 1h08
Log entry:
1h10
